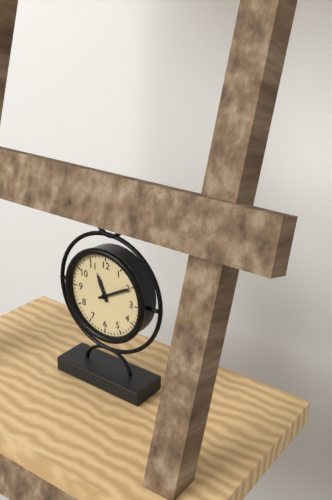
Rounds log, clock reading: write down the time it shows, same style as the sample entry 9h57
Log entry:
11h10
